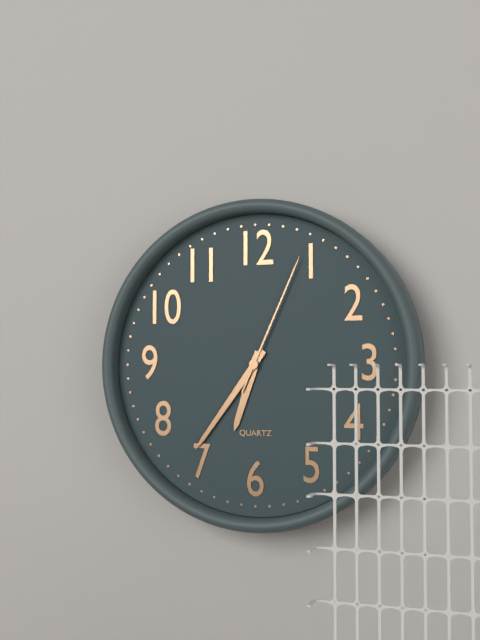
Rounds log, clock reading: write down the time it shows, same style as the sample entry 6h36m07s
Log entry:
6h36m04s
